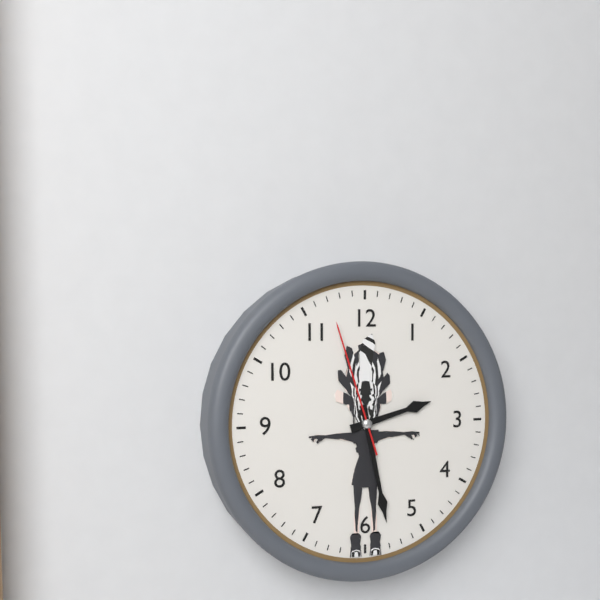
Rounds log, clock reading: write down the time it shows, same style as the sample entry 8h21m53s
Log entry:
2h28m57s
